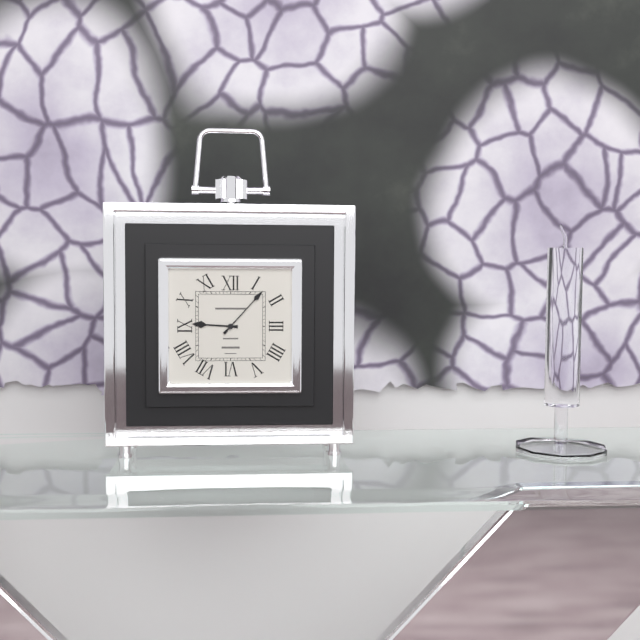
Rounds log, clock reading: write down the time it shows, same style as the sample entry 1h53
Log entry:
9h07
